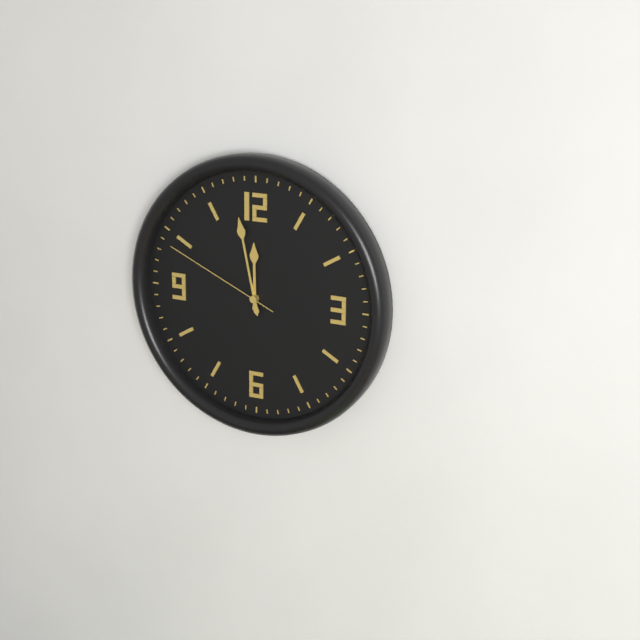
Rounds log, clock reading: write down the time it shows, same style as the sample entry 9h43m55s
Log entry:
11h58m49s
